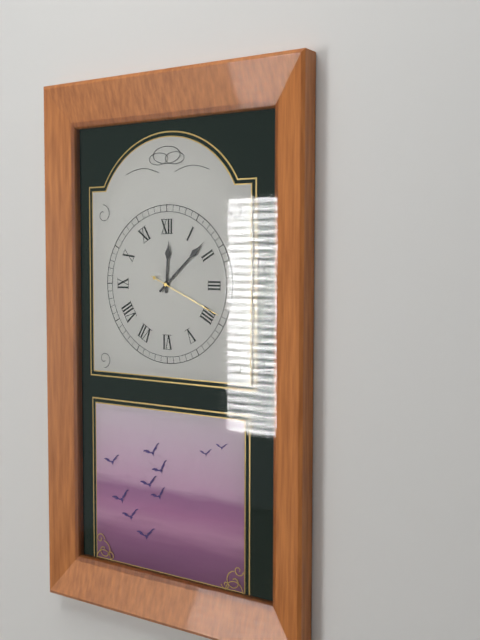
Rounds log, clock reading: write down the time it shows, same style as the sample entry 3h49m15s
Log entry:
12h08m19s
